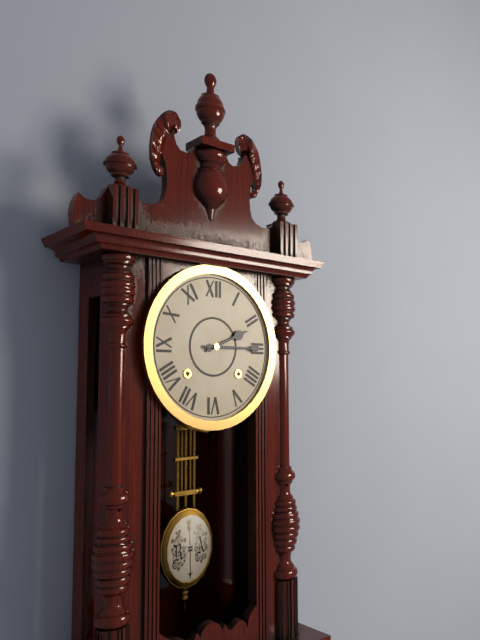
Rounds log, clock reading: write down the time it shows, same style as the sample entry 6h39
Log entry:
2h15
